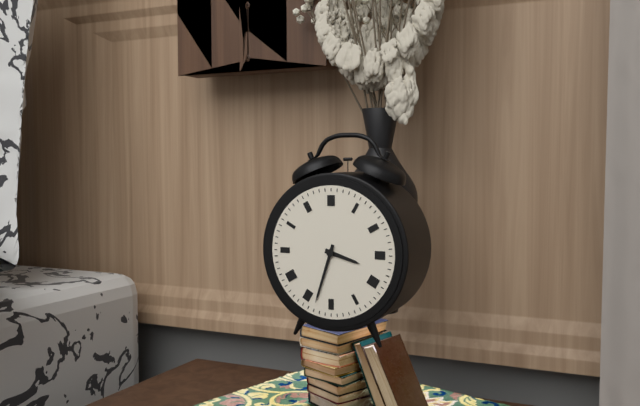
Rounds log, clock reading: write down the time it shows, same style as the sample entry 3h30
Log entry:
3h33
